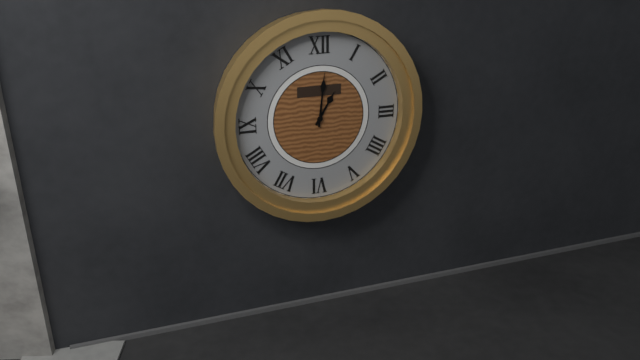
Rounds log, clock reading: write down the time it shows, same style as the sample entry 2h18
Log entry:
1h01
